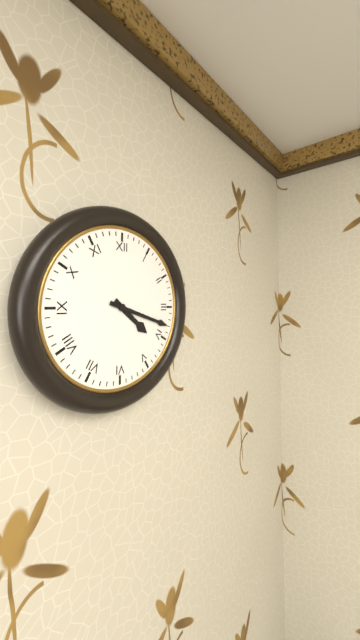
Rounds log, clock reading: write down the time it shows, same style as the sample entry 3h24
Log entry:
4h18
